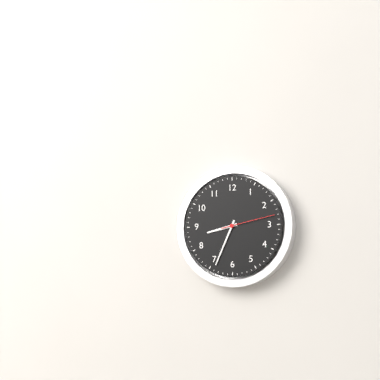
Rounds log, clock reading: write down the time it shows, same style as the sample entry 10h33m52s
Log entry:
8h34m13s
